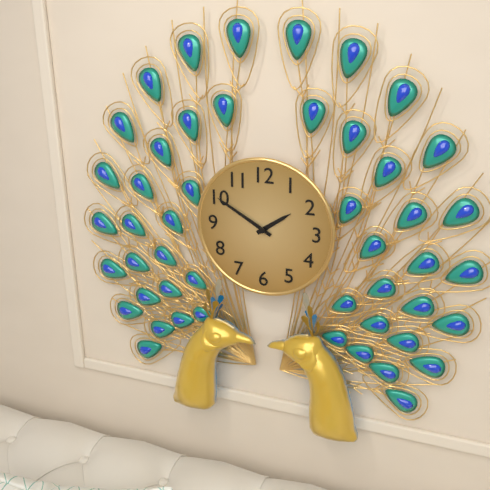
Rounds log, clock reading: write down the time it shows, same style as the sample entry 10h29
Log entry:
1h50
